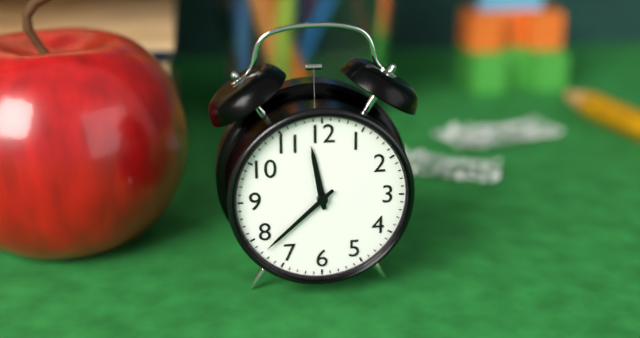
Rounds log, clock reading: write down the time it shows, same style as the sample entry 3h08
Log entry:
11h38
